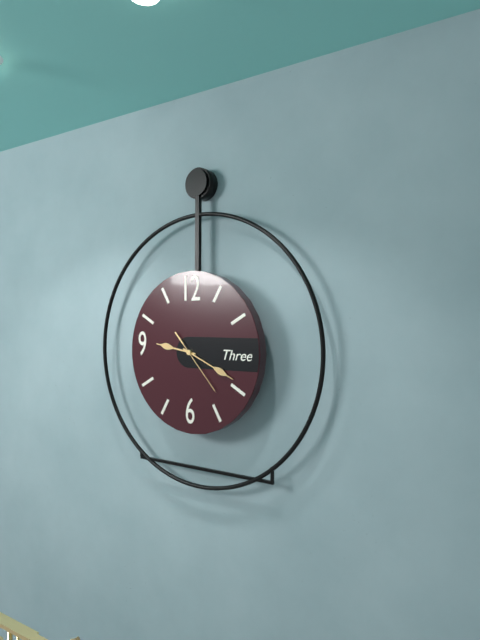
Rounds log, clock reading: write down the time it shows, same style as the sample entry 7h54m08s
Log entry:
9h19m23s
